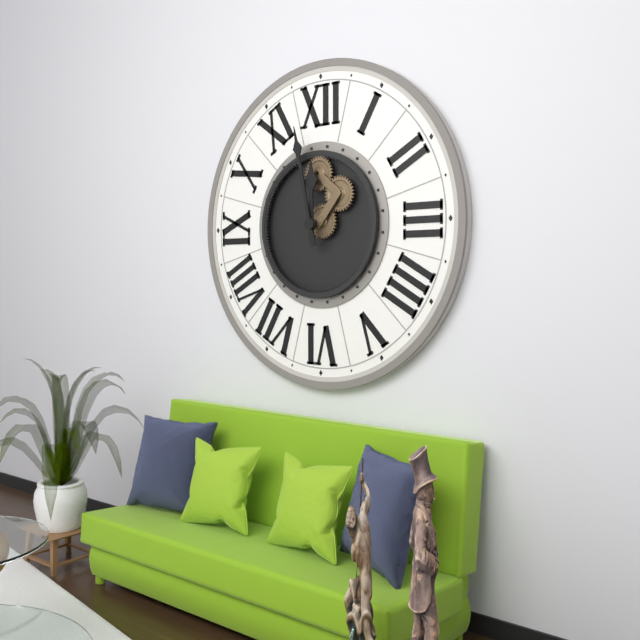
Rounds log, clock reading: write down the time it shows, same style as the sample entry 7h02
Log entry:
11h58
